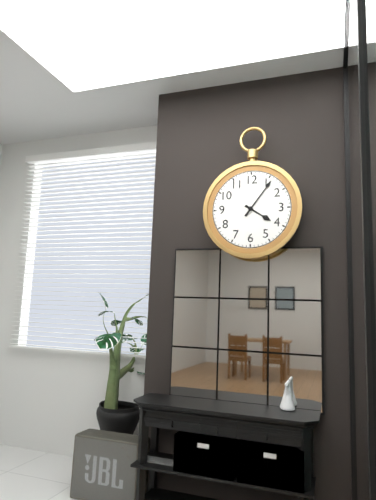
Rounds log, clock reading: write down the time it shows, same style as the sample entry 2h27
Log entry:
4h06
